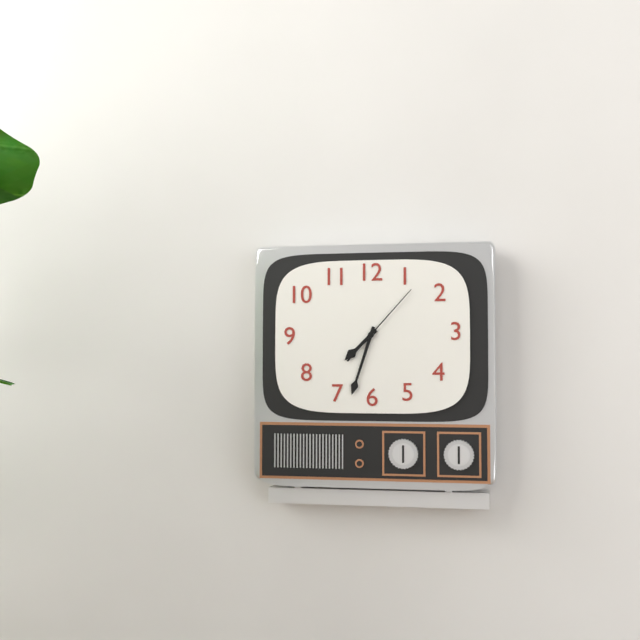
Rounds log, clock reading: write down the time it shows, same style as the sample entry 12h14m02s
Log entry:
7h33m07s
